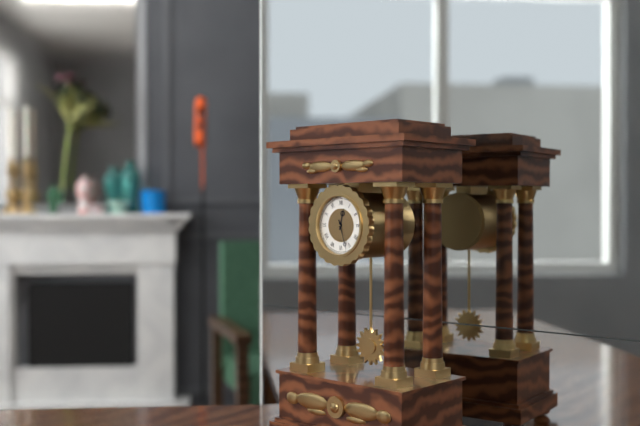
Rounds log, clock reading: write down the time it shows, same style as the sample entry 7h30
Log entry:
12h27
